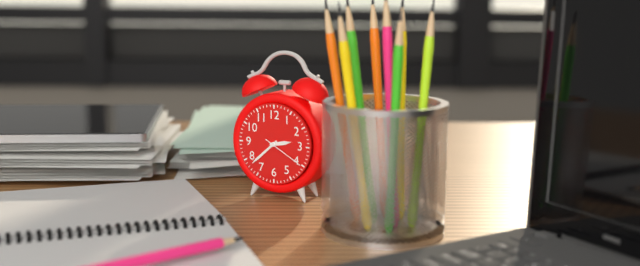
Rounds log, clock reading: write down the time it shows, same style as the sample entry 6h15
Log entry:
2h38
